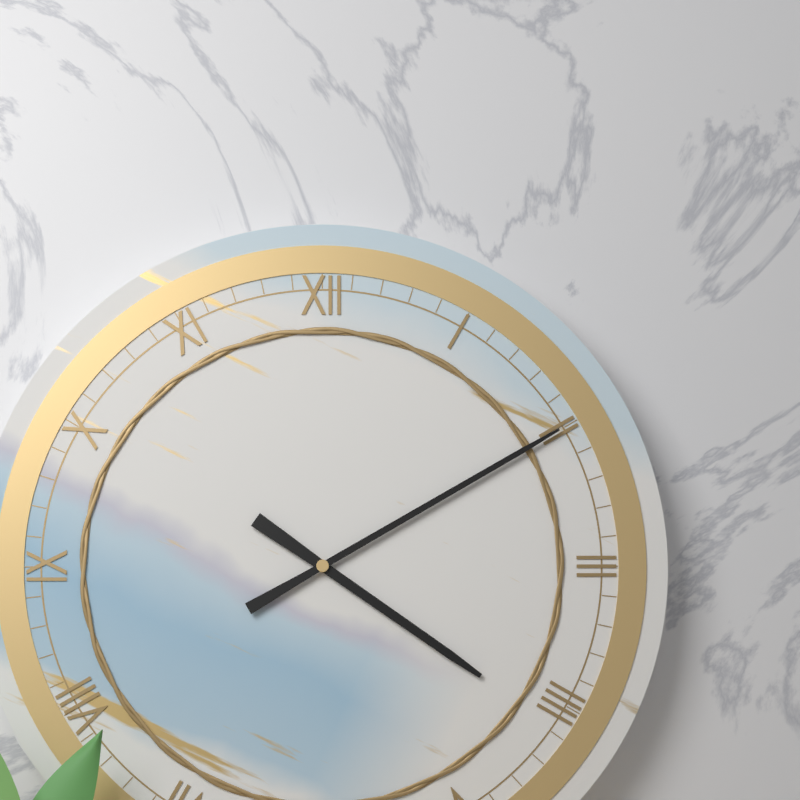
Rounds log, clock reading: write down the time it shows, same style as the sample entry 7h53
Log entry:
4h10
